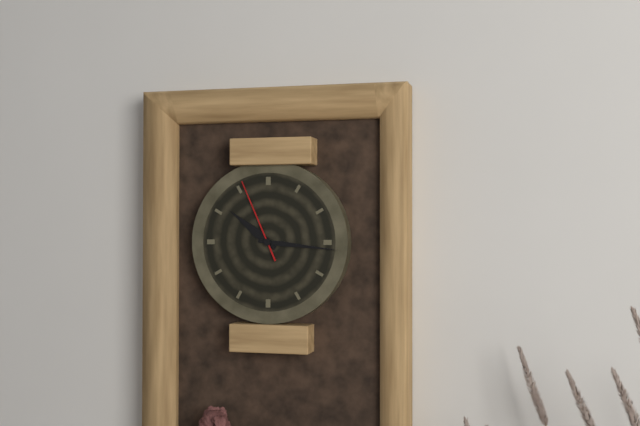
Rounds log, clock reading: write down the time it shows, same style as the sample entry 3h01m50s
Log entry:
10h16m56s
